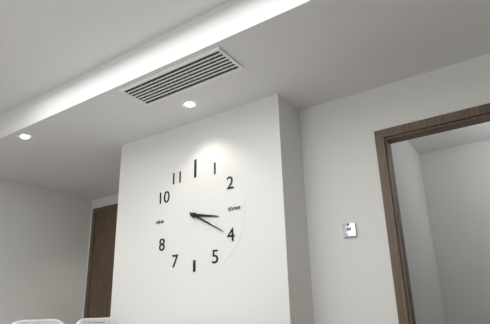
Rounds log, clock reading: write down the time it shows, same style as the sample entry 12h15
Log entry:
3h20
